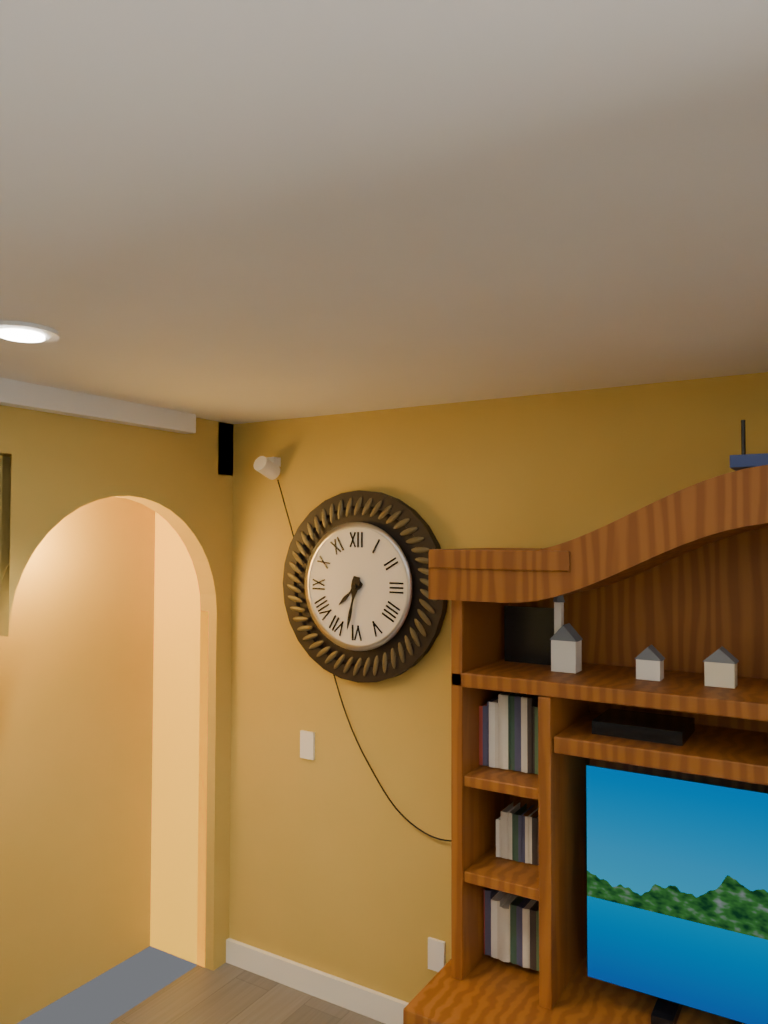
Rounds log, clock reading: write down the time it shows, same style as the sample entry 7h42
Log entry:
7h32
